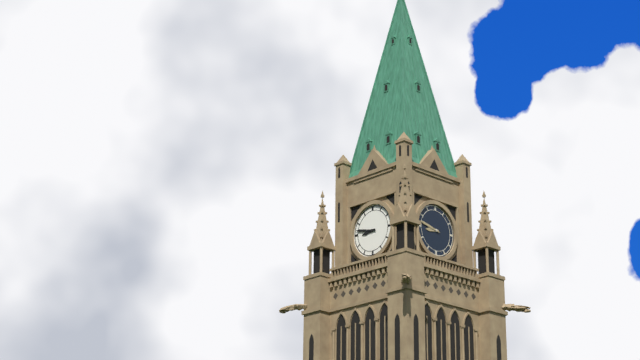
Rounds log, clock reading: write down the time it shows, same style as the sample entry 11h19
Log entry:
8h47
